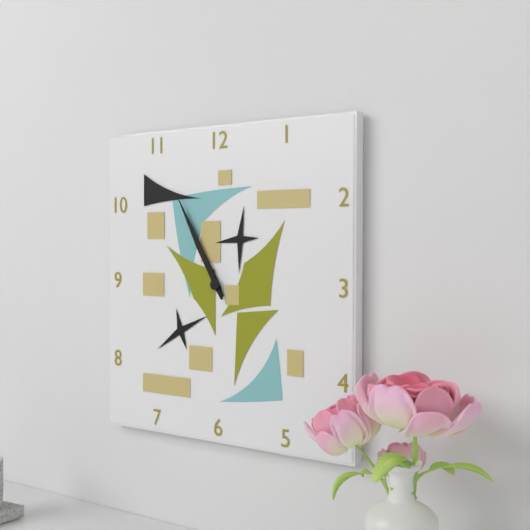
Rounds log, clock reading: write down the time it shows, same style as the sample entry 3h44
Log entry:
10h55
